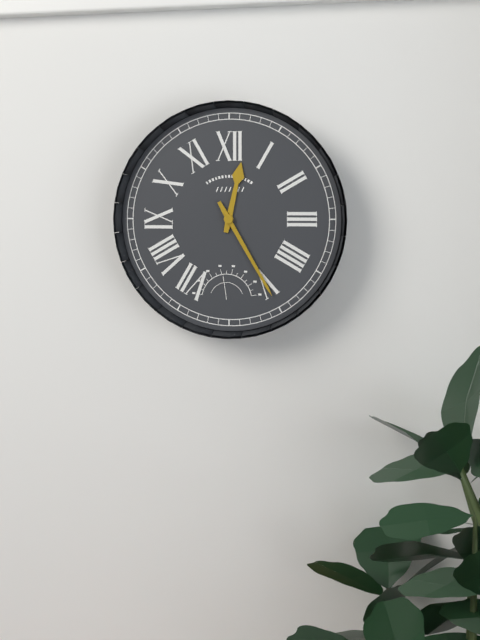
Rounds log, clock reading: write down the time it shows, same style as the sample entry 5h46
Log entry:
12h25
